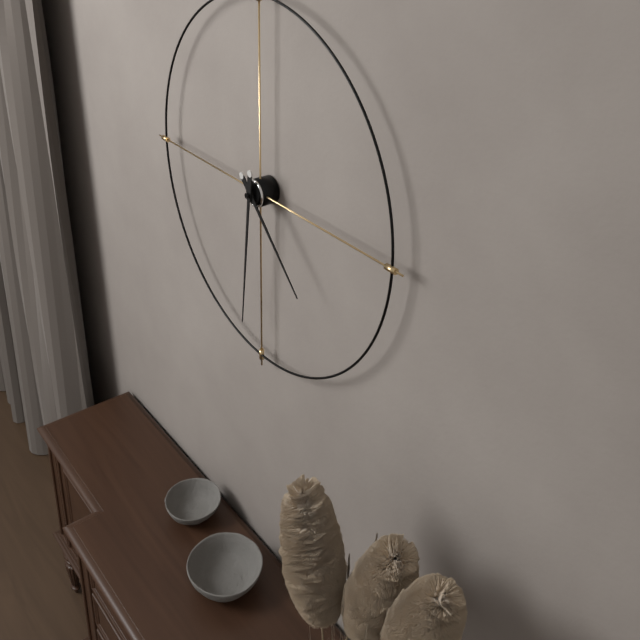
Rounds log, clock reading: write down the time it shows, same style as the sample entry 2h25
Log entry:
4h31
